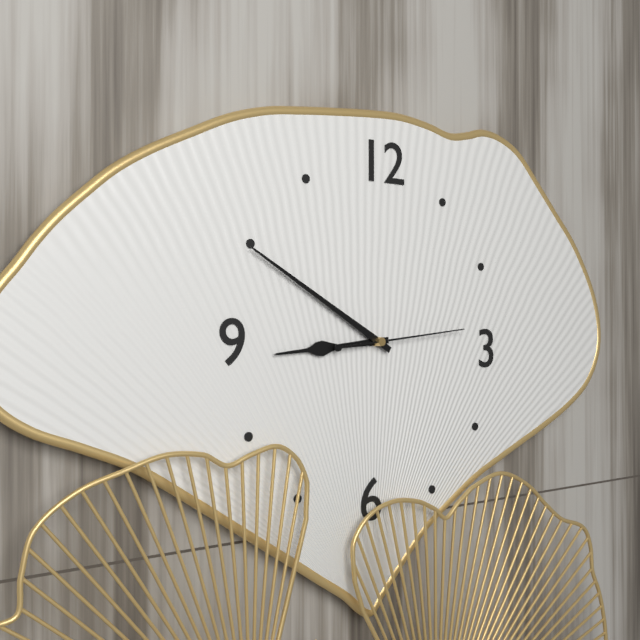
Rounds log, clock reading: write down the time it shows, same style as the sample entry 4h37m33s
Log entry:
8h50m14s
